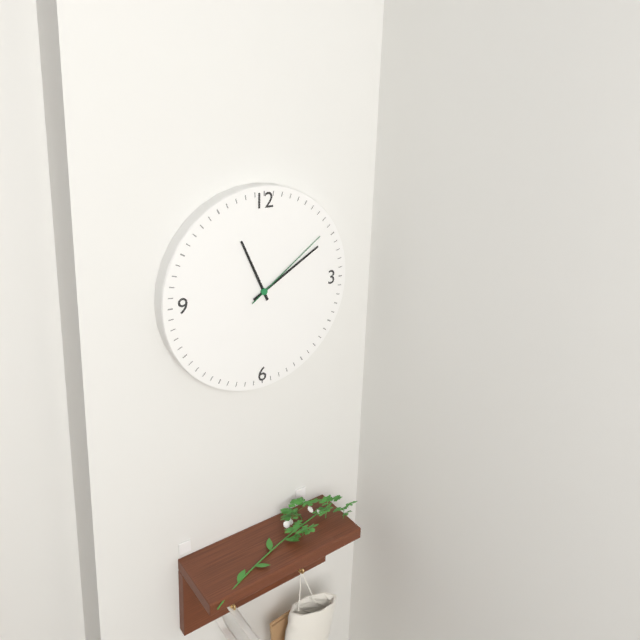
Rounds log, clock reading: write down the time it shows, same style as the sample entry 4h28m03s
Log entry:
11h10m09s
